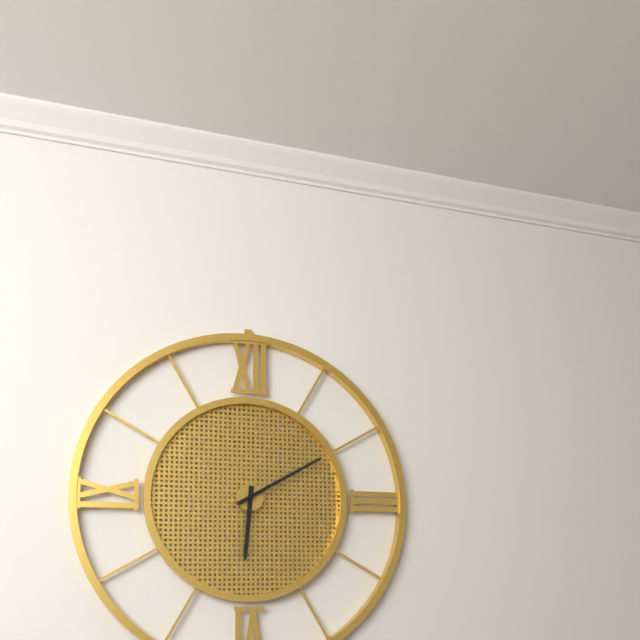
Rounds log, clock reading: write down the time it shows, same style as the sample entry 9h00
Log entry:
6h10
